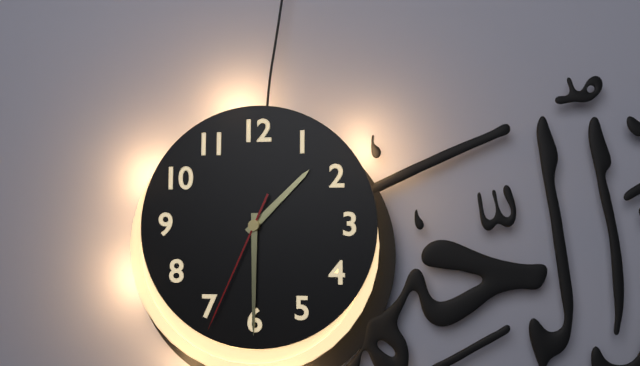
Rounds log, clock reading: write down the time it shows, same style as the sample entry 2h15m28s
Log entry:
1h30m34s
